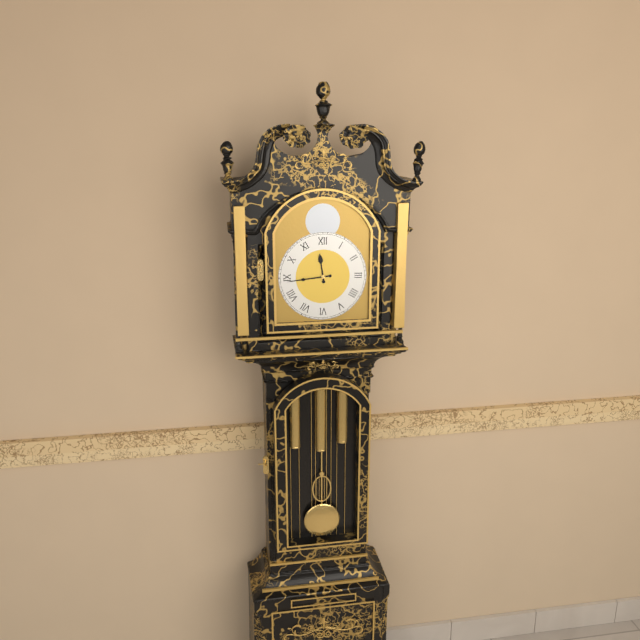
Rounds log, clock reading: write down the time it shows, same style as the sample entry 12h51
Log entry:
11h44
